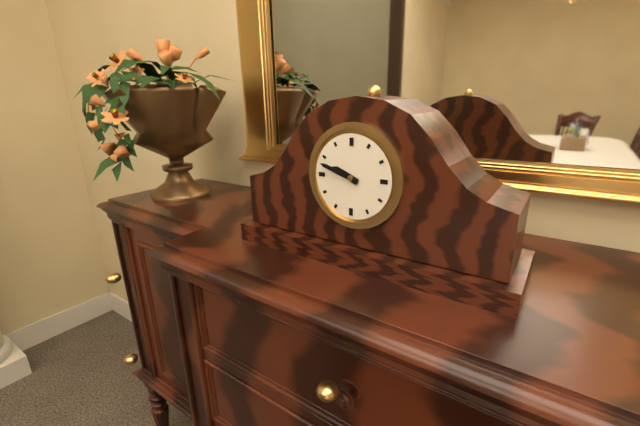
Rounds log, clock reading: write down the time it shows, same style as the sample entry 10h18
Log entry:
9h48
